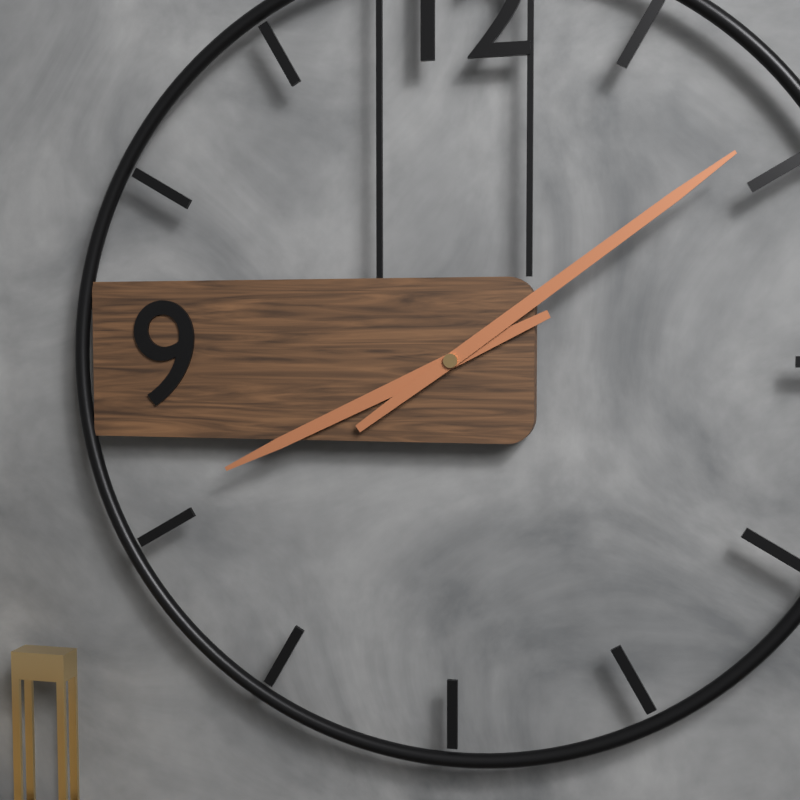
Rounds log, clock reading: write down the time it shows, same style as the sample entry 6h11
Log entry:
8h09
